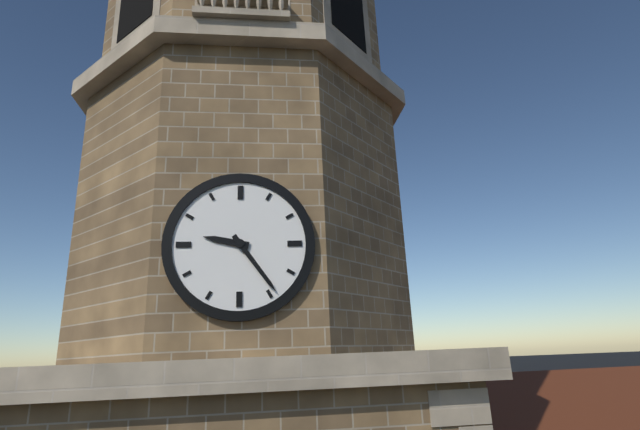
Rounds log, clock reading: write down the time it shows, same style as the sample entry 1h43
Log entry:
9h24
